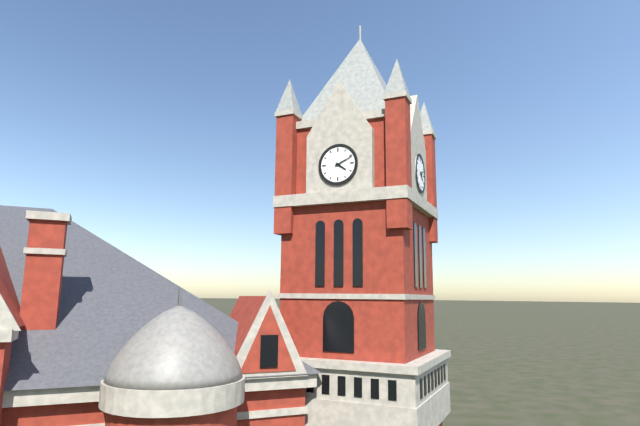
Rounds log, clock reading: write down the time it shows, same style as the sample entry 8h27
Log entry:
4h11
